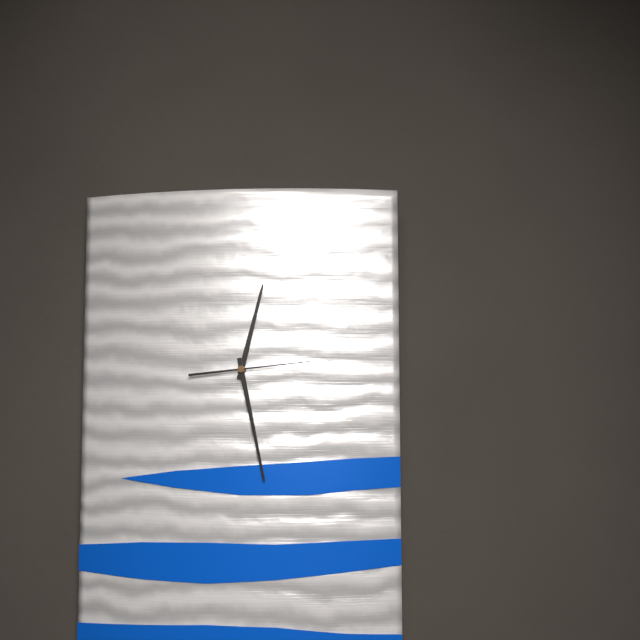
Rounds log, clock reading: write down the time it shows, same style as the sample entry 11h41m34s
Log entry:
12h28m14s
